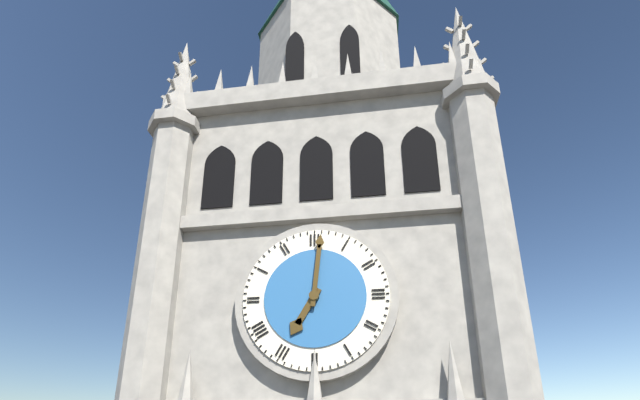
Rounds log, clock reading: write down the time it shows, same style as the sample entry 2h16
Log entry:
7h01
